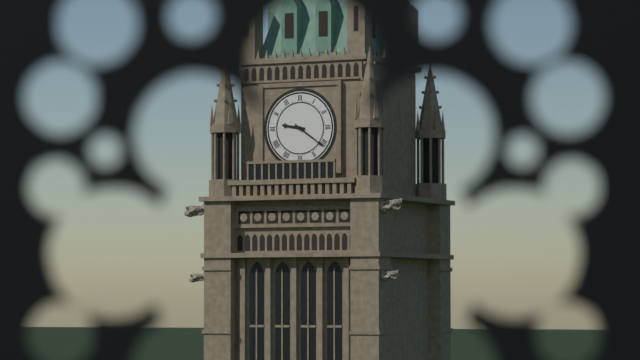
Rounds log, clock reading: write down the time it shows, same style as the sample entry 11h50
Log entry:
9h21
